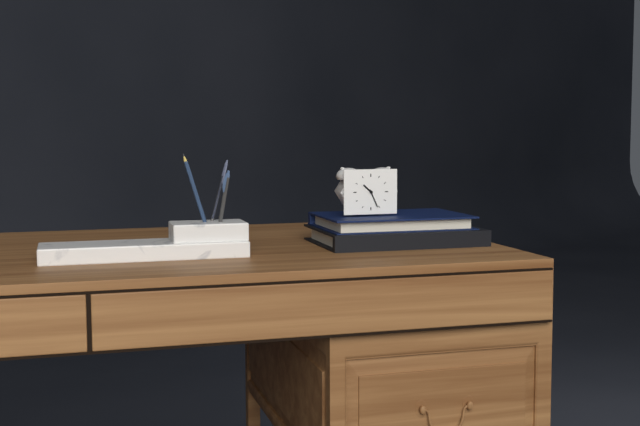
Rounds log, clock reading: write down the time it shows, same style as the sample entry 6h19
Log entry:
10h26
